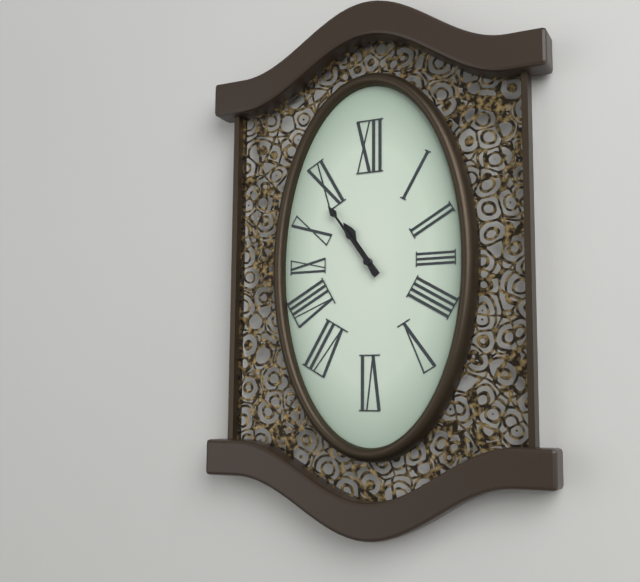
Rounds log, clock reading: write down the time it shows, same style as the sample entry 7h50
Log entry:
10h54
